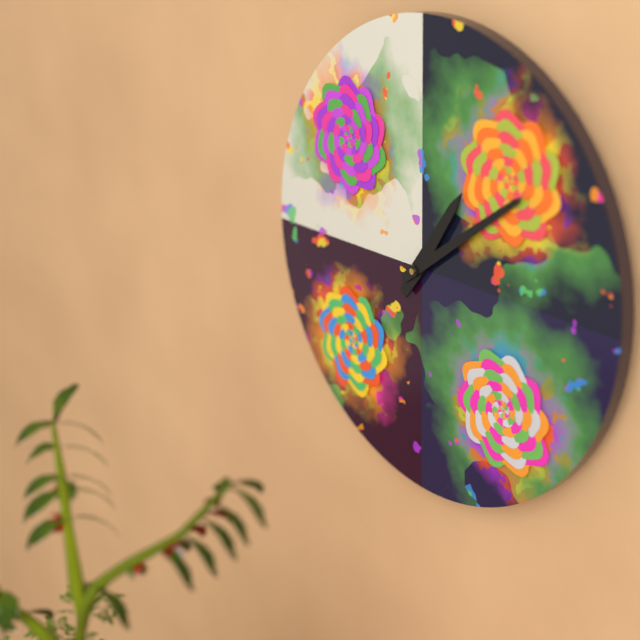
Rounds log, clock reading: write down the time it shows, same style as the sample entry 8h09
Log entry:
1h09
